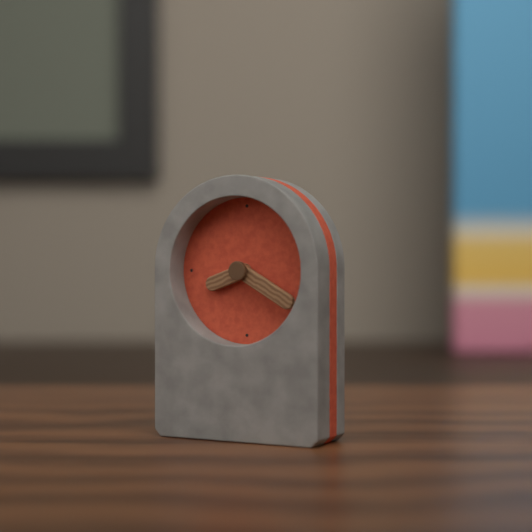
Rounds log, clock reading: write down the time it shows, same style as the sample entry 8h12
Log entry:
8h20
